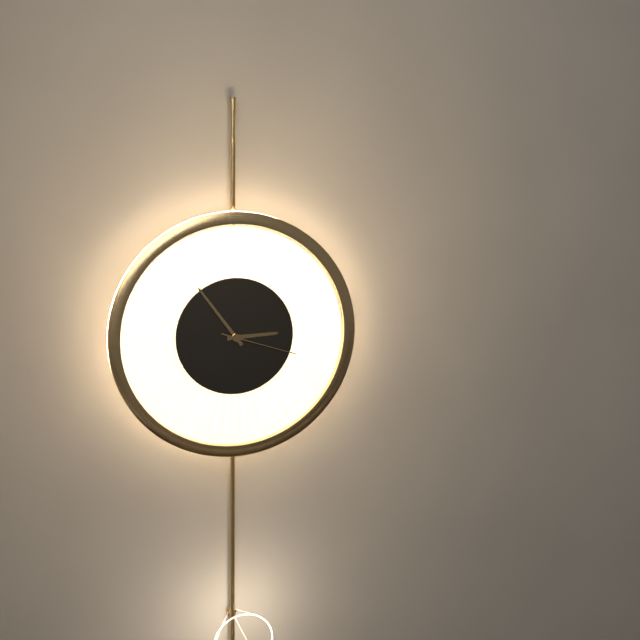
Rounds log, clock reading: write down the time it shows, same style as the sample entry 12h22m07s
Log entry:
2h54m18s
